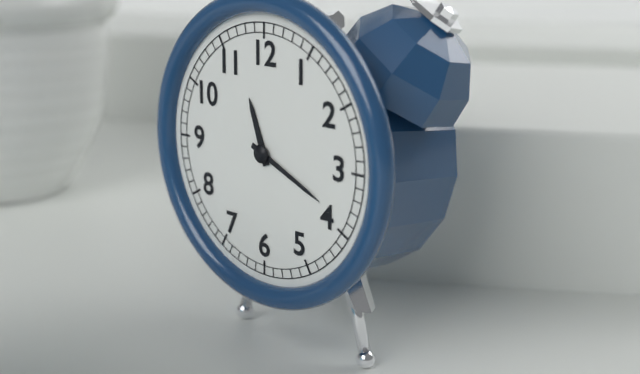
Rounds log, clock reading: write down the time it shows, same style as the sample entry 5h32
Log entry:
11h19
